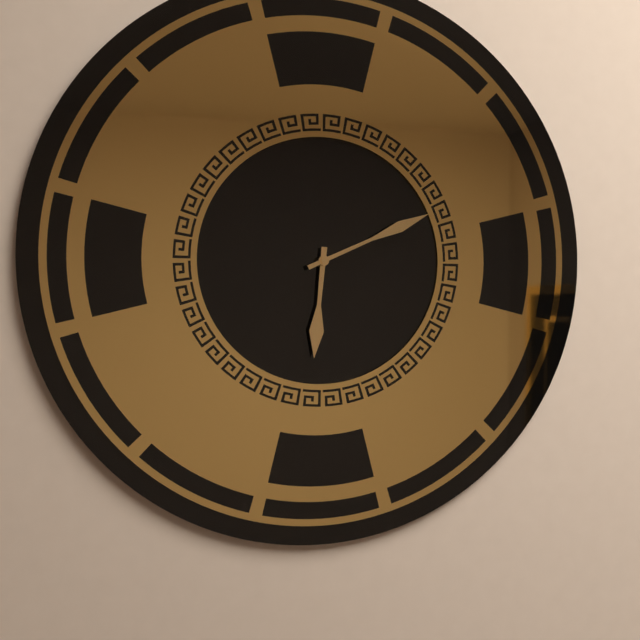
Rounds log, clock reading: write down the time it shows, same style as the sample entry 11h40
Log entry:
6h11
